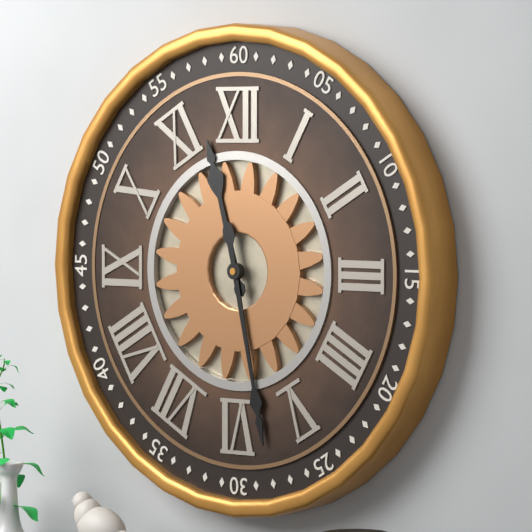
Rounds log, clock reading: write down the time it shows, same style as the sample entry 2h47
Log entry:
11h28
